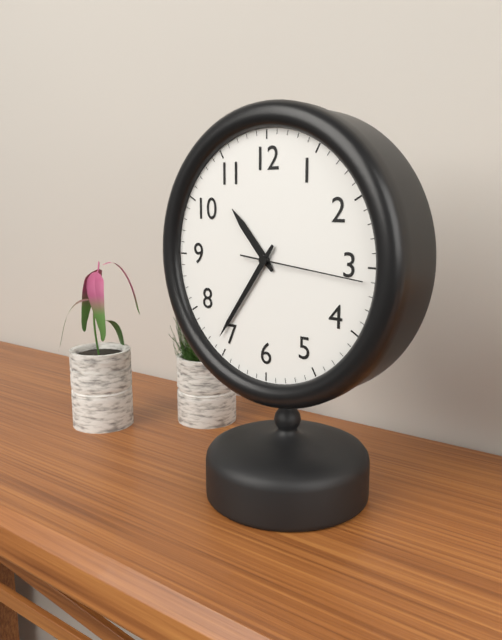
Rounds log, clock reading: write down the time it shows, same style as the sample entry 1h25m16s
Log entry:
10h36m16s
